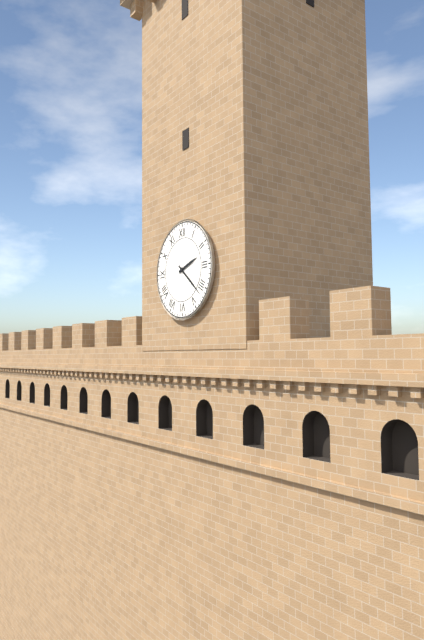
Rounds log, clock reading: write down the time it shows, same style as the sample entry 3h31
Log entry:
2h22
